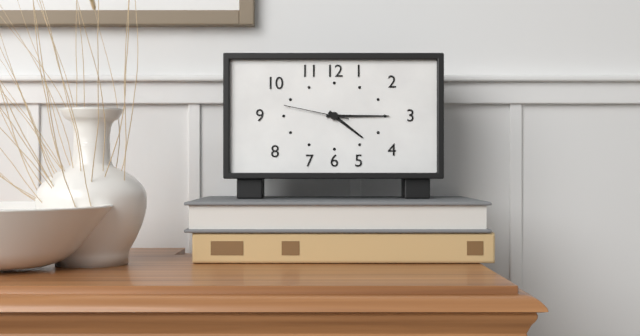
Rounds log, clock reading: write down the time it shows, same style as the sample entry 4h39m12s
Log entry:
4h15m47s
